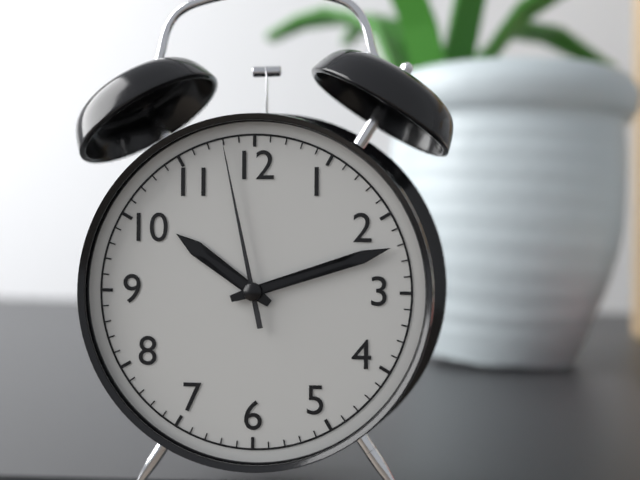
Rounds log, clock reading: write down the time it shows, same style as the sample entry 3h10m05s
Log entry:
10h12m58s
